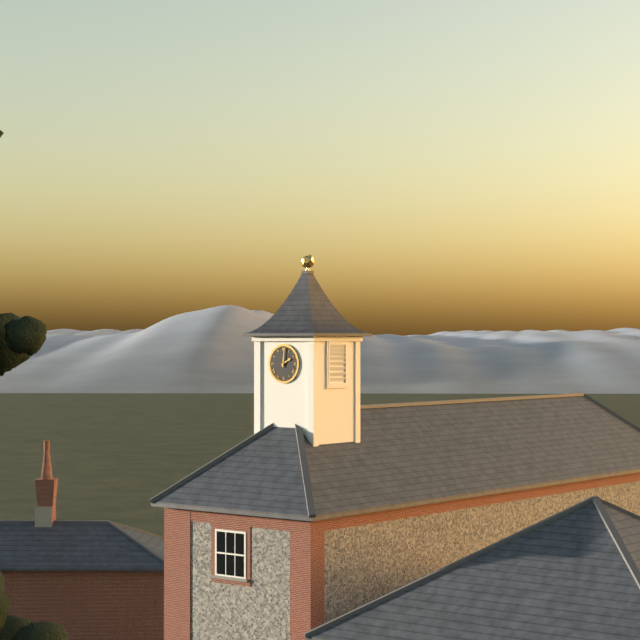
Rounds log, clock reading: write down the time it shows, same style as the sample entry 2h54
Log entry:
2h01
